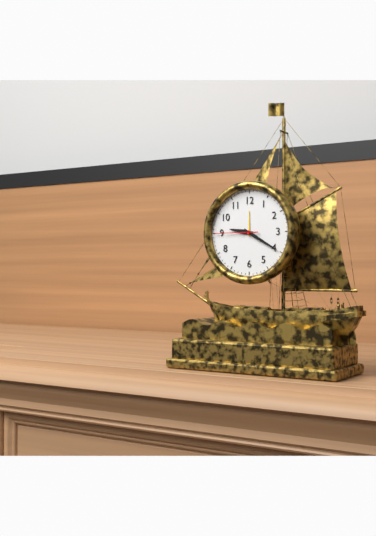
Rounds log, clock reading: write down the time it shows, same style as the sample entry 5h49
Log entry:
9h20
